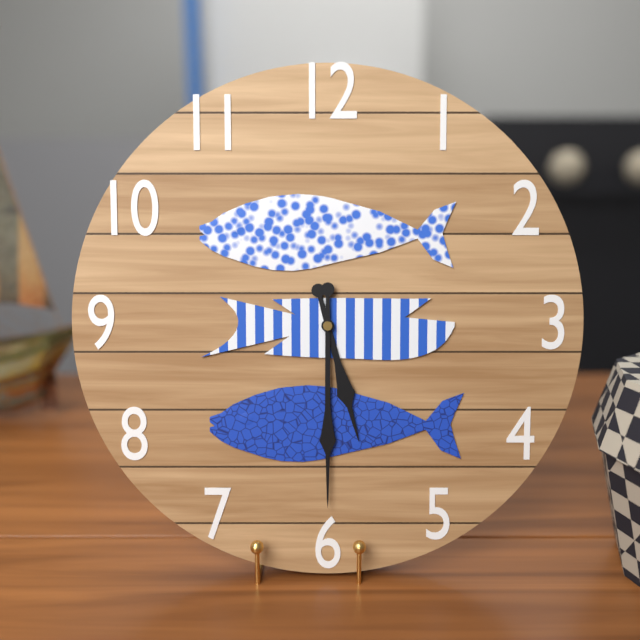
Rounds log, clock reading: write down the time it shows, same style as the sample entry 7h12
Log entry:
5h30
